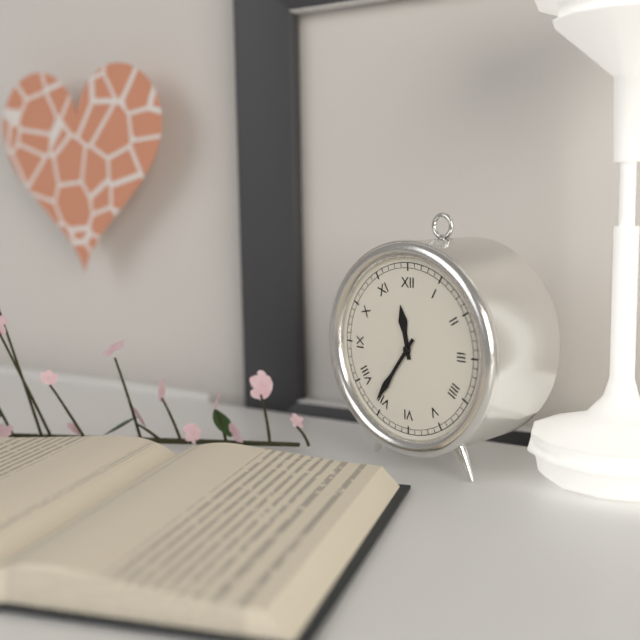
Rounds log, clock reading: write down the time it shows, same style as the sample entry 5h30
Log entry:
11h36
